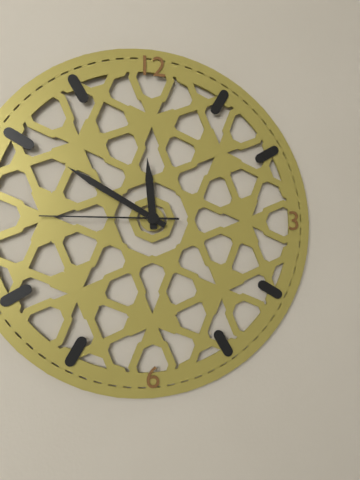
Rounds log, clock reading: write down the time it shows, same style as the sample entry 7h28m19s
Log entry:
11h50m45s
